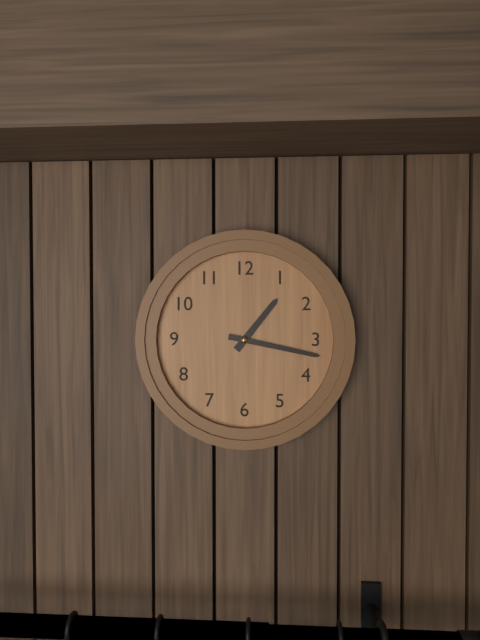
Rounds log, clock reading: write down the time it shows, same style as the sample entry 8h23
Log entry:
1h17
